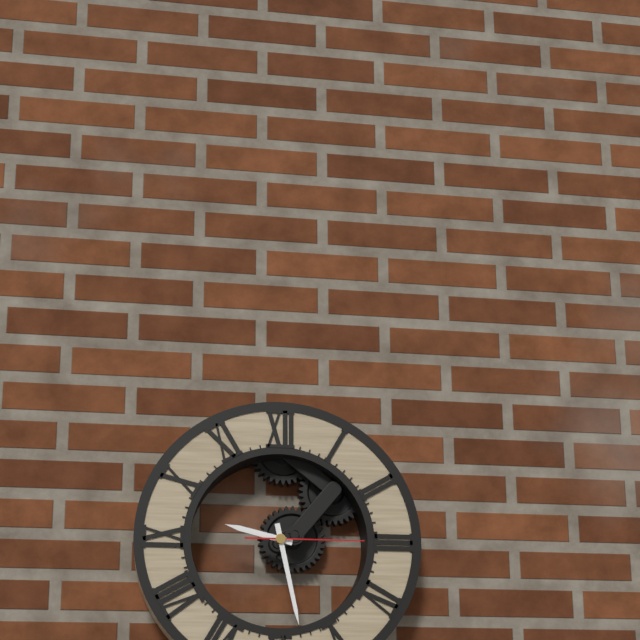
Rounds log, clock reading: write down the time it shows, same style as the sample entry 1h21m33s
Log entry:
9h28m15s
